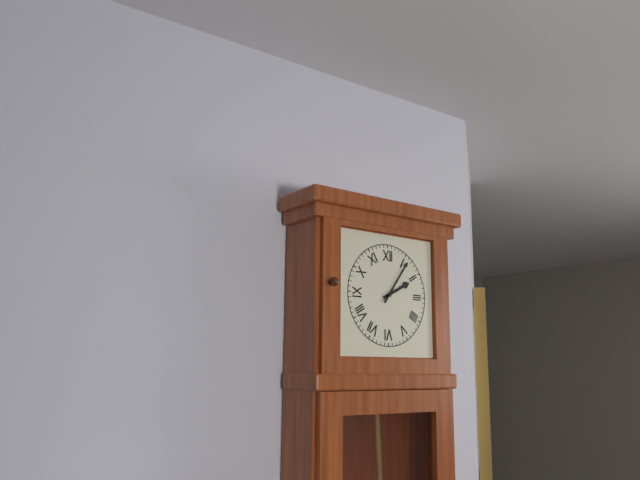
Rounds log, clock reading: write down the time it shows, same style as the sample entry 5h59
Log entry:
2h06
